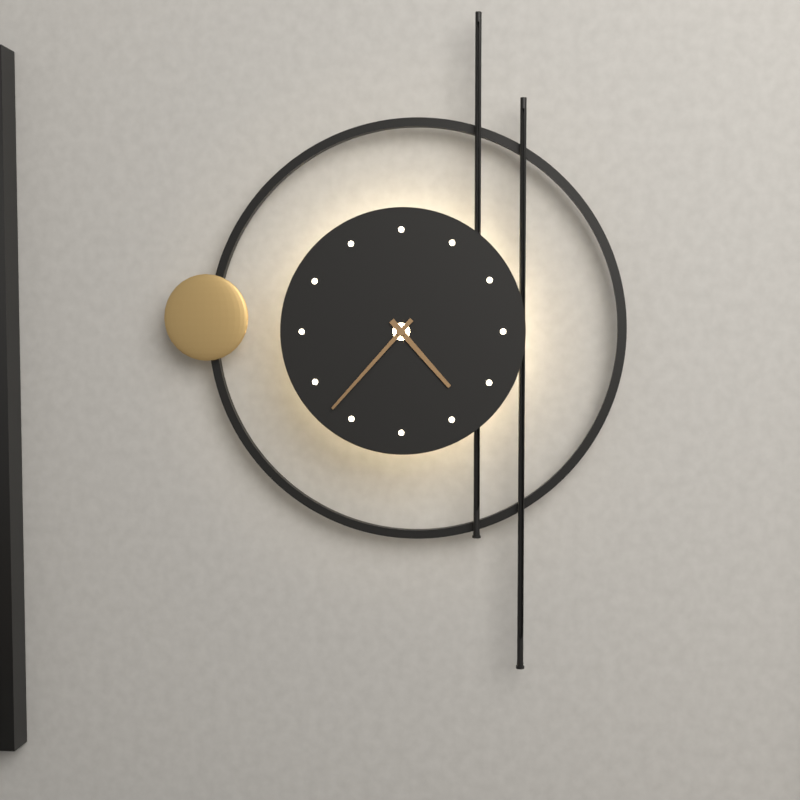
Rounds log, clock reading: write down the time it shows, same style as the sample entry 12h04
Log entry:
4h37
